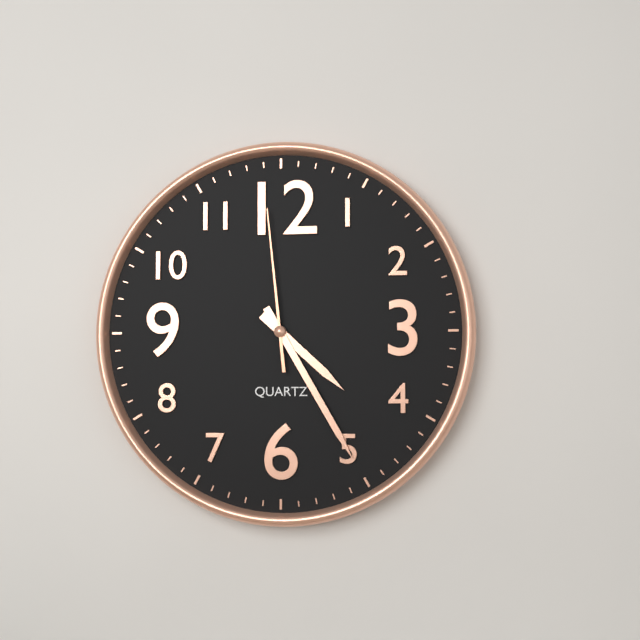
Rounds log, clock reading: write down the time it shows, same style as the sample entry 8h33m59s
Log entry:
4h25m59s
